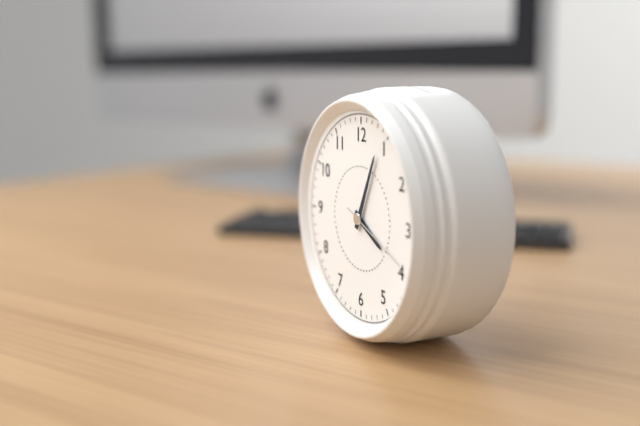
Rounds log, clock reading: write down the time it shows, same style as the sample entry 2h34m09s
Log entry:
4h04m19s
